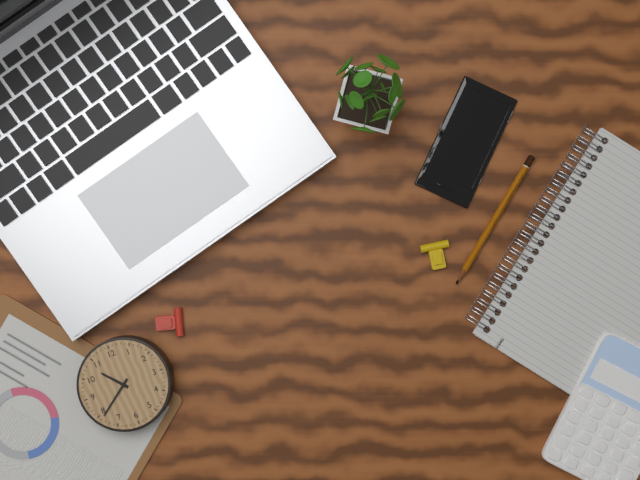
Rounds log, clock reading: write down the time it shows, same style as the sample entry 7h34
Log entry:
10h39
